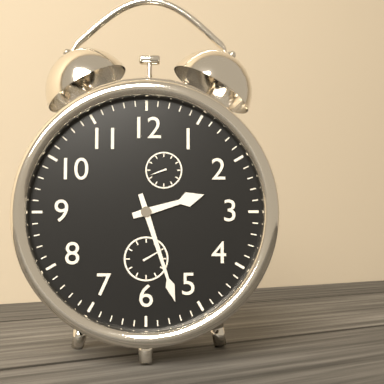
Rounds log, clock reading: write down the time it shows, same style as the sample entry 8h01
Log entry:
2h27
